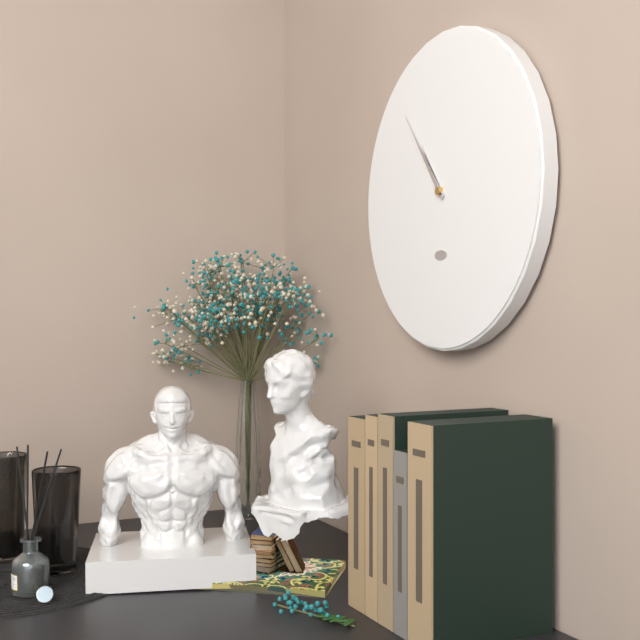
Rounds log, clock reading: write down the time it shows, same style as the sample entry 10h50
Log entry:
10h54
